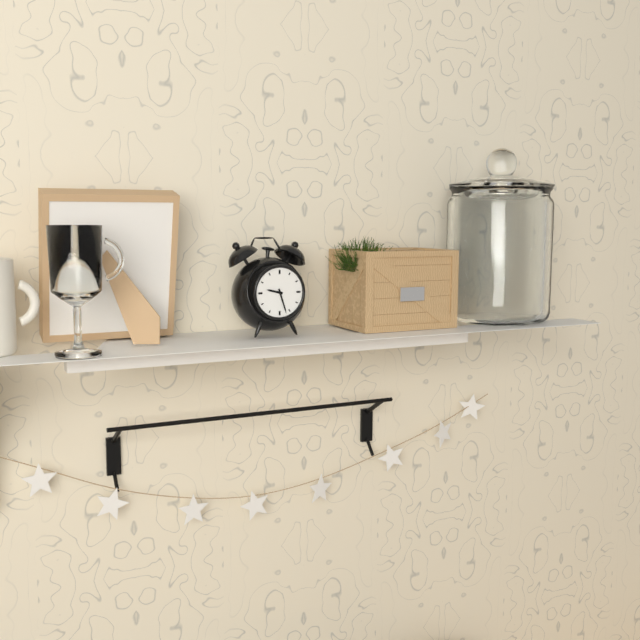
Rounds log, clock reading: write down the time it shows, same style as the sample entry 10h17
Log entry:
9h27
